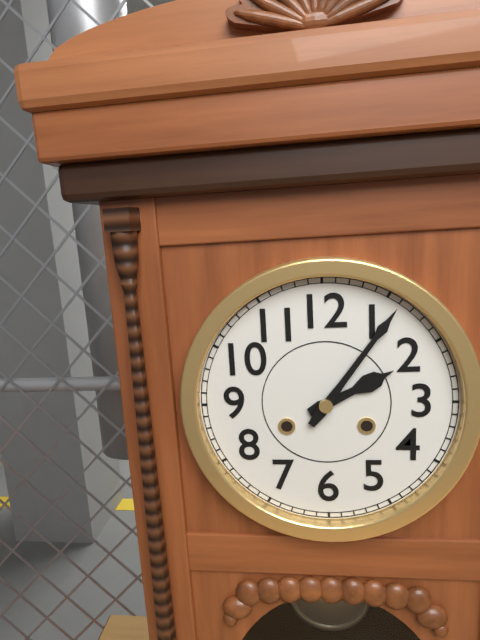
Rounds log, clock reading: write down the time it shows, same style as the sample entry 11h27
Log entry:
2h06
